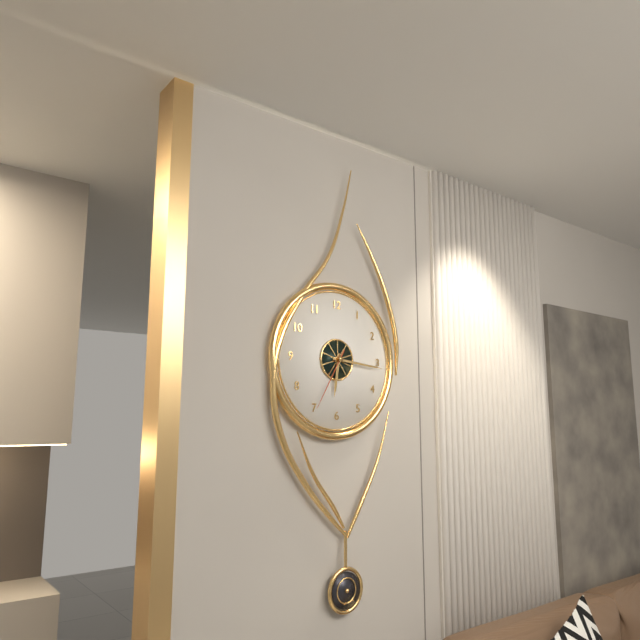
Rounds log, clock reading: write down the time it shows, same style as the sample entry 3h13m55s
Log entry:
6h16m35s
